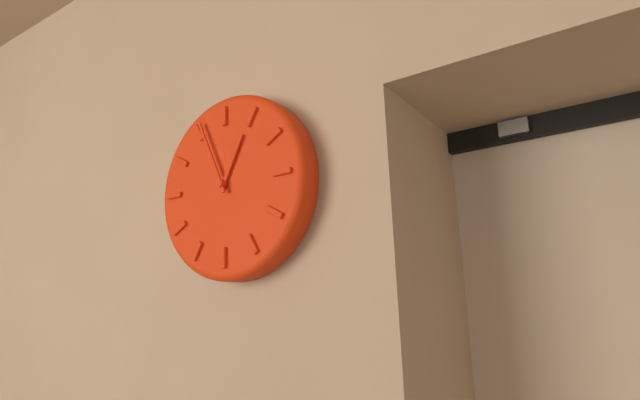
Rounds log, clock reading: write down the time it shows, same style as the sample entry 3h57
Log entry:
12h56
